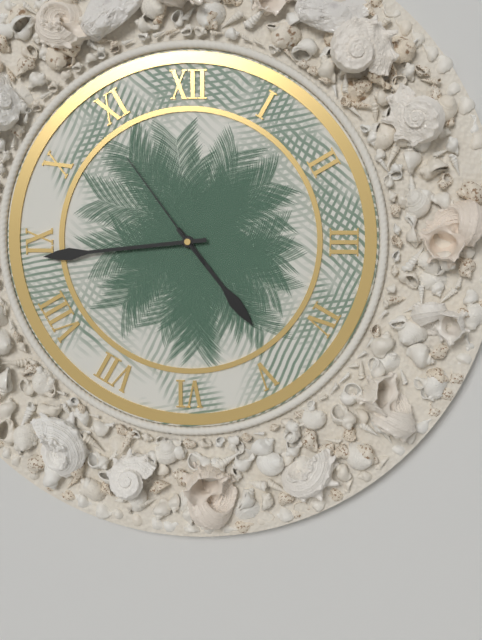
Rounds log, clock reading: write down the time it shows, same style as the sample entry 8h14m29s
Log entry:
4h44m54s
